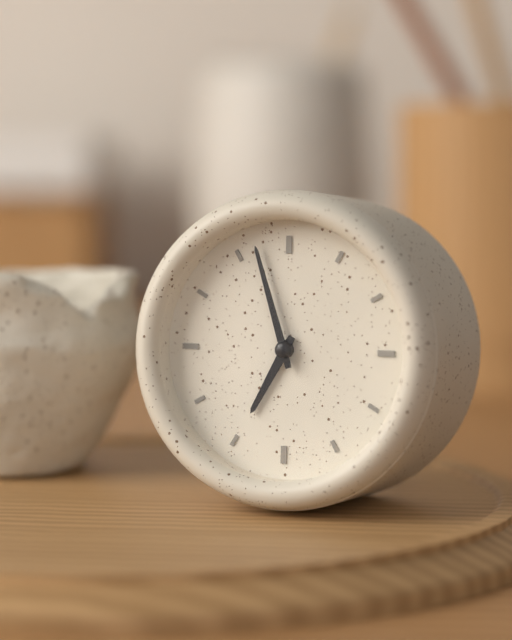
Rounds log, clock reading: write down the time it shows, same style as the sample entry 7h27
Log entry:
6h57
